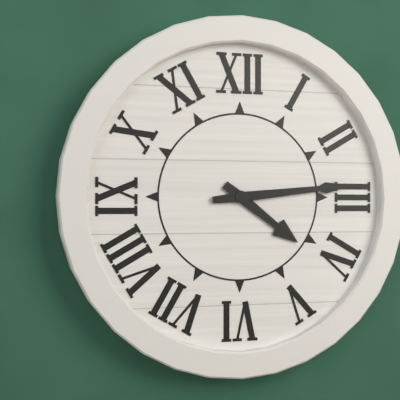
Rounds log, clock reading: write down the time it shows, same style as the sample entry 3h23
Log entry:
4h14
